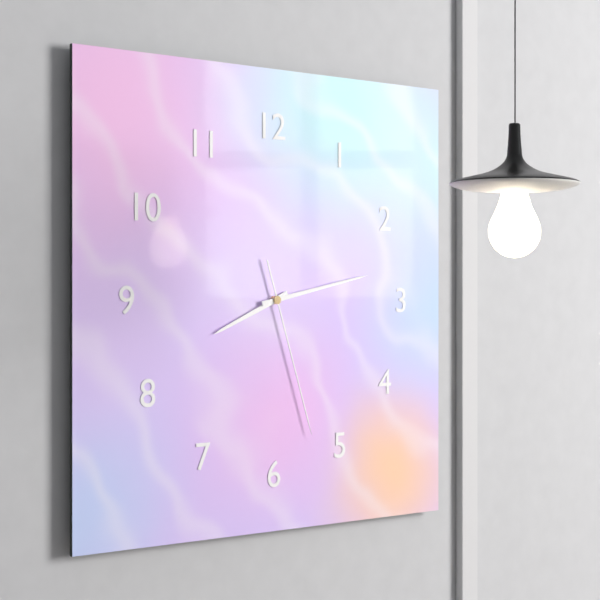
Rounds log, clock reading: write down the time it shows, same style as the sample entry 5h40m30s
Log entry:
8h13m27s
